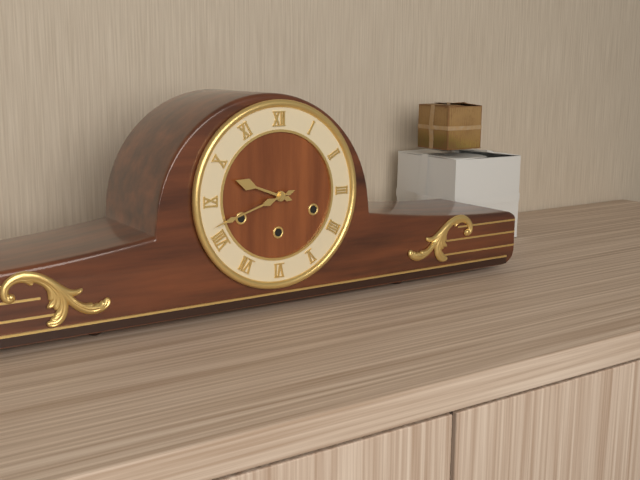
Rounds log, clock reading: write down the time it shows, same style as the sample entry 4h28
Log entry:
9h42
